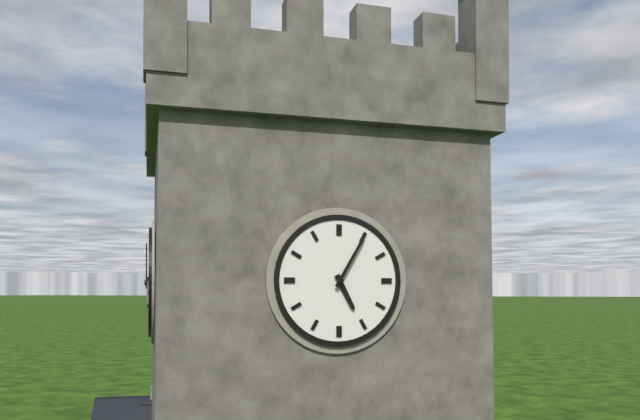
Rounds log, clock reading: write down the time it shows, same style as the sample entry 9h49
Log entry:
5h05
